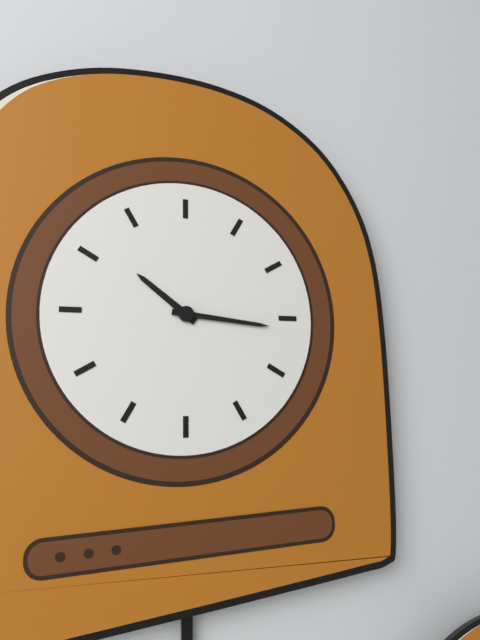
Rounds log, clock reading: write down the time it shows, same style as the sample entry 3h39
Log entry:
10h16
